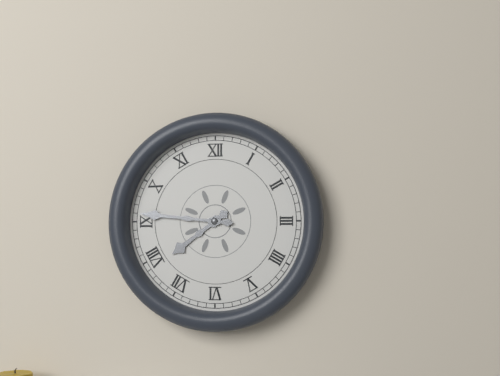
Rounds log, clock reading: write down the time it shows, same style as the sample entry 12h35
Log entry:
7h46
